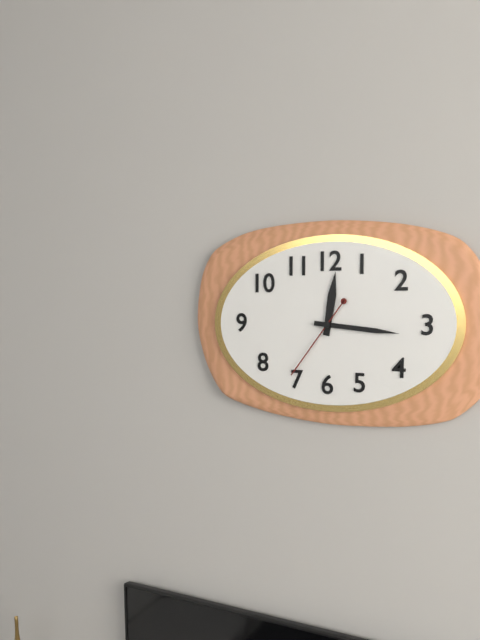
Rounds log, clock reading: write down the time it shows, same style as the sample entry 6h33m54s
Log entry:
12h16m36s
